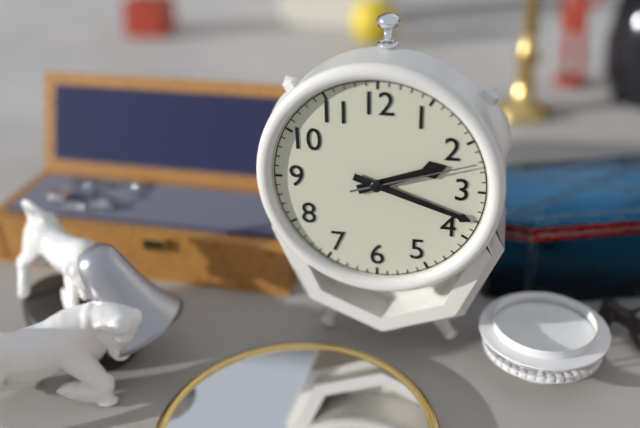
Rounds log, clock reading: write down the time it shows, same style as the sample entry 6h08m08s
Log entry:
2h18m12s
